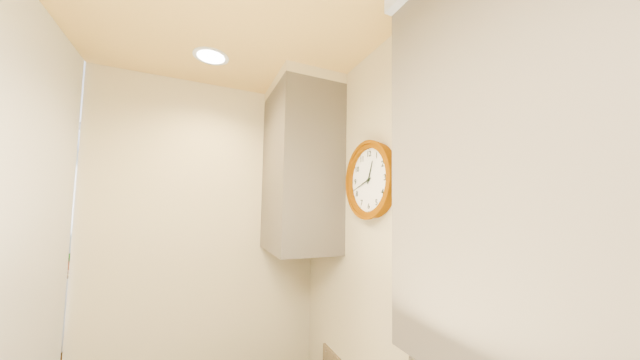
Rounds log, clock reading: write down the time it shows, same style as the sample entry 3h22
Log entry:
12h42
